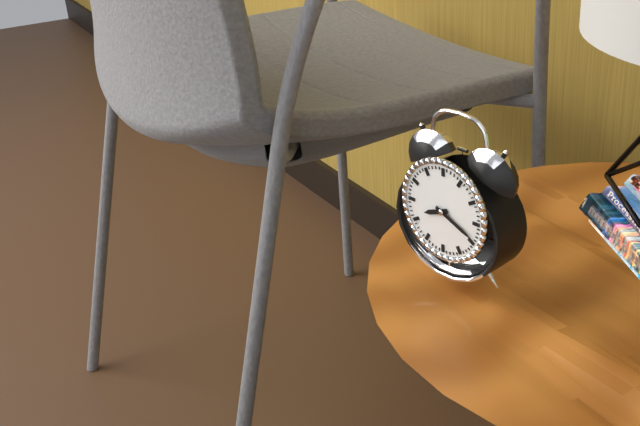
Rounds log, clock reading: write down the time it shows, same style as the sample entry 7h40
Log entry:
8h19
